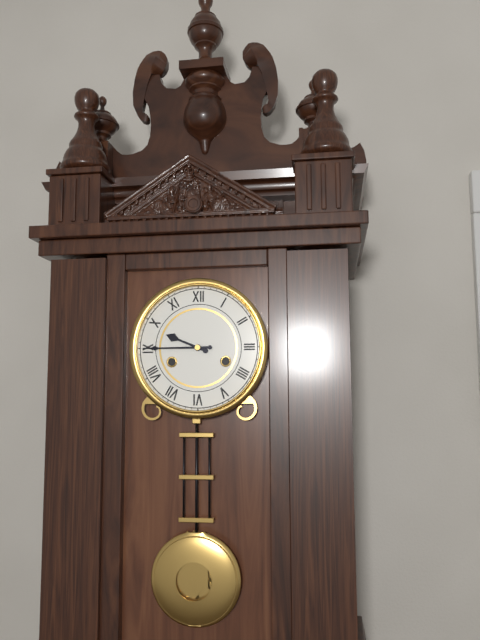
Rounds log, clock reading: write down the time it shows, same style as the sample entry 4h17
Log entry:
9h45
